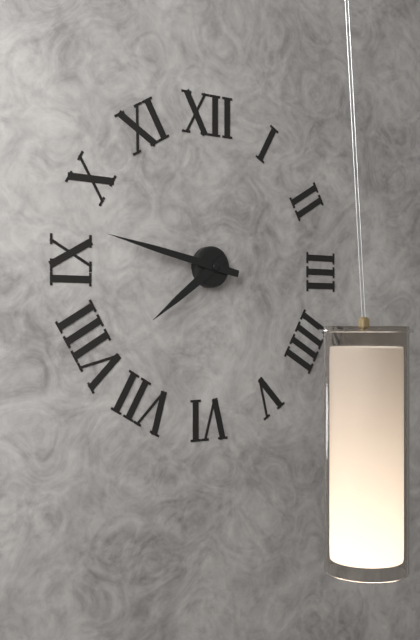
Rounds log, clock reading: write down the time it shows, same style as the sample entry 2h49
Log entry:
7h47
